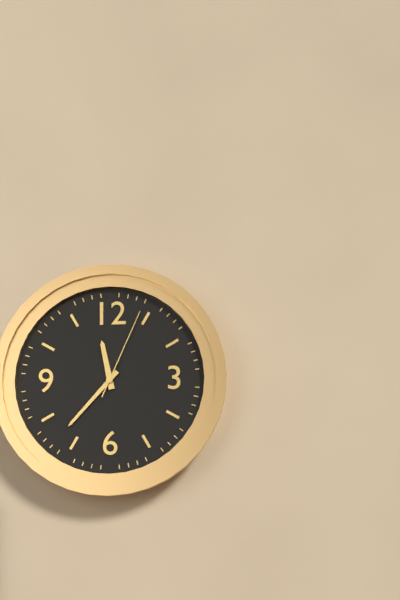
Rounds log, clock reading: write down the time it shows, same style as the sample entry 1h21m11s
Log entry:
11h37m04s
